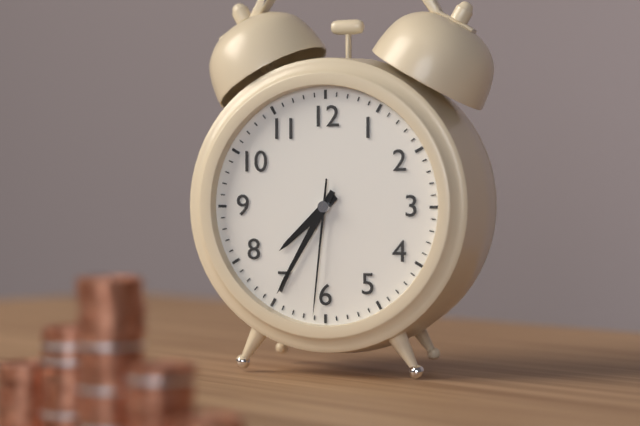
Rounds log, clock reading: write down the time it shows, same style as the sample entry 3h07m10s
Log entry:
7h35m31s
